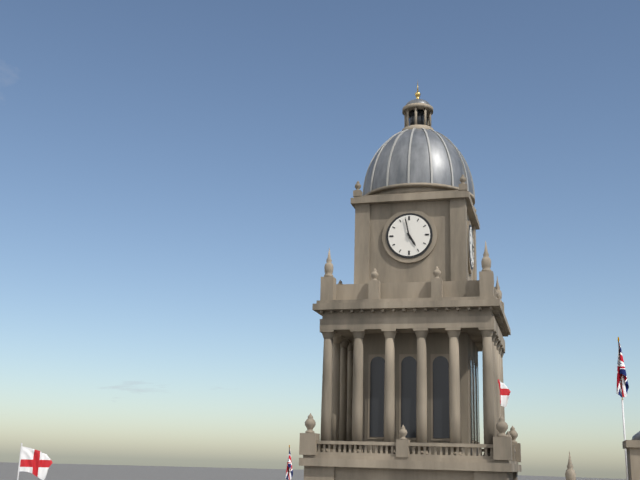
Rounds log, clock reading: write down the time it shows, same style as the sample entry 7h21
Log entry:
4h58
